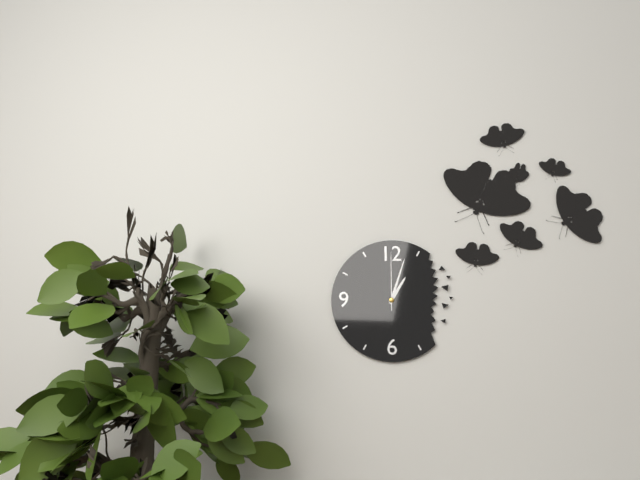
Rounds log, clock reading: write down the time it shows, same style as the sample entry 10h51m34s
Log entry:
1h03m00s
